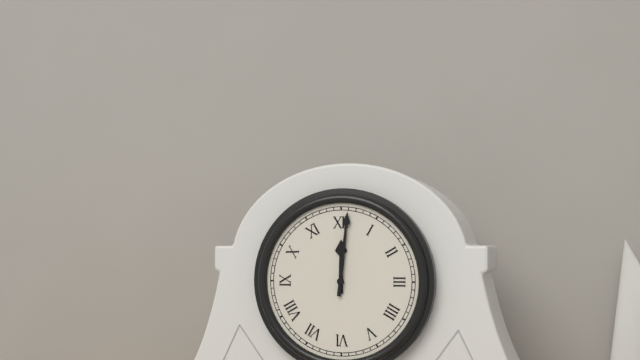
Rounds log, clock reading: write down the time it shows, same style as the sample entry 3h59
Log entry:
12h01
